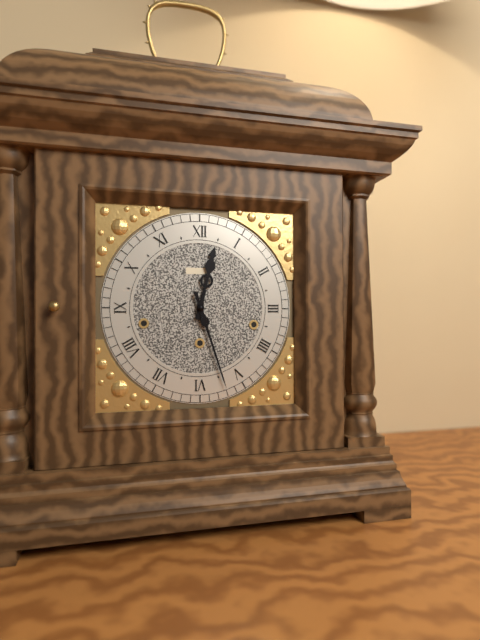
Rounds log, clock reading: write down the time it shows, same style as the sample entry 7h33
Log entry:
12h27
